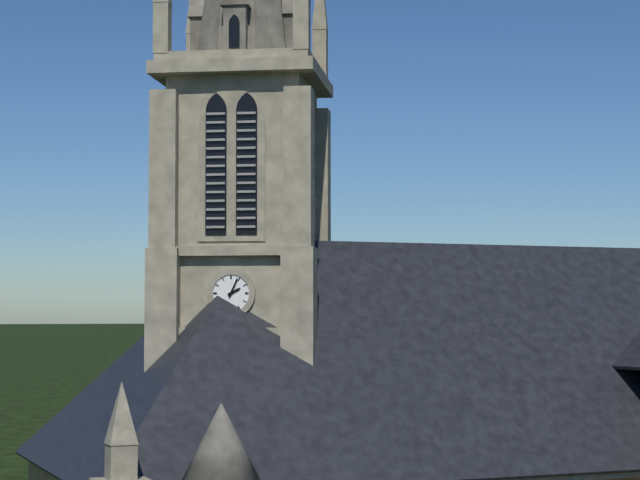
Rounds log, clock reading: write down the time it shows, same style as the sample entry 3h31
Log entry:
2h04
